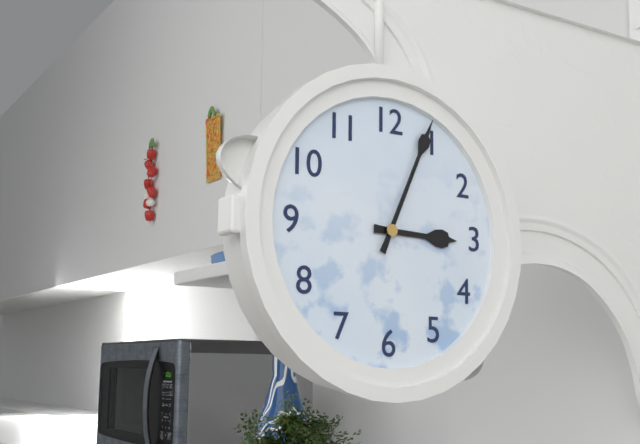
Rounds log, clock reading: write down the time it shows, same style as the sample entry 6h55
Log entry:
3h04
